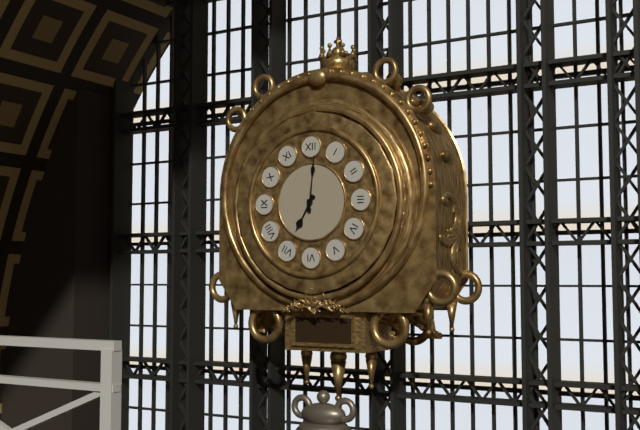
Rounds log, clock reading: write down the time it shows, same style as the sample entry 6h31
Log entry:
7h01
